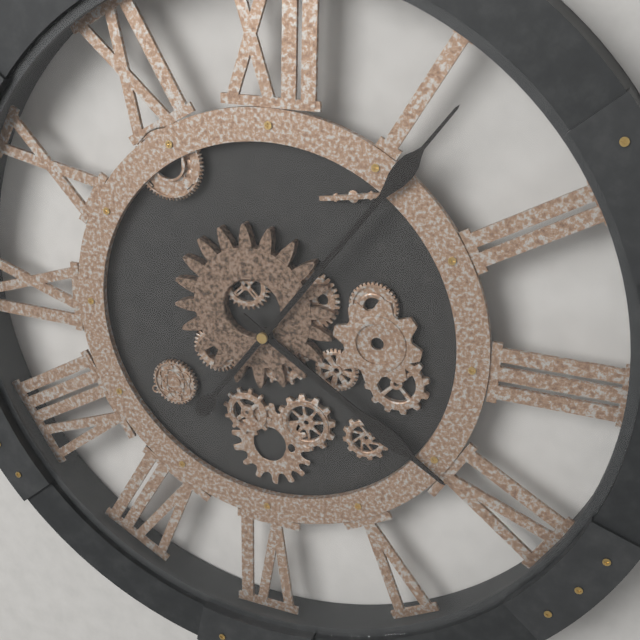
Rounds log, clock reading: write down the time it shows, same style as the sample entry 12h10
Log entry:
4h06
